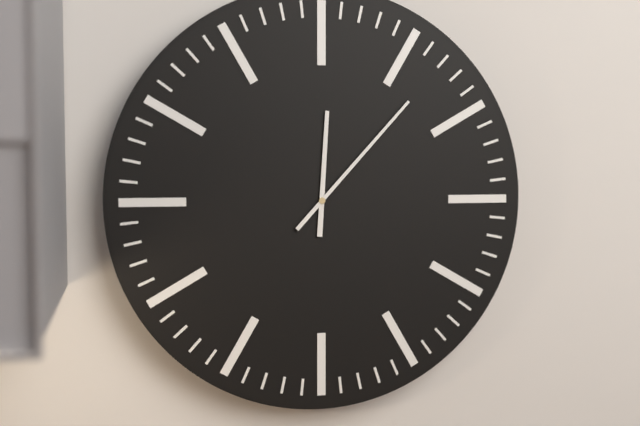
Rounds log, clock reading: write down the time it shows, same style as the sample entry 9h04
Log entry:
12h07
